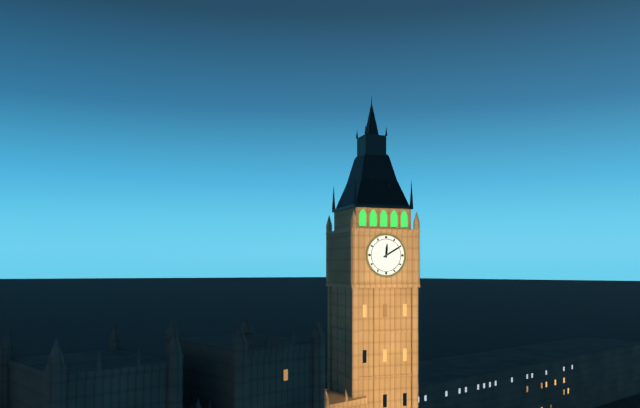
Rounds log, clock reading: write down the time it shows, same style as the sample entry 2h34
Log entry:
12h10
